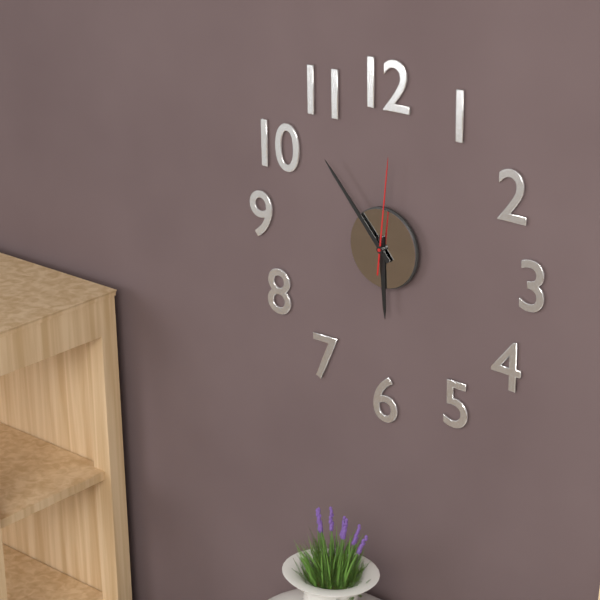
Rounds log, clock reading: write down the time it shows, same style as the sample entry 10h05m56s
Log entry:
5h53m01s
